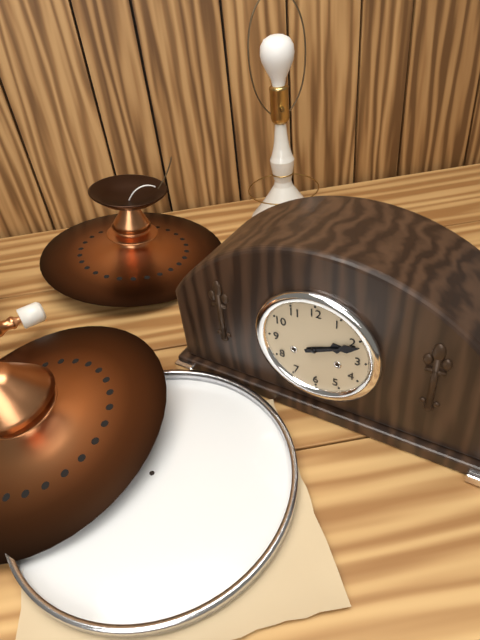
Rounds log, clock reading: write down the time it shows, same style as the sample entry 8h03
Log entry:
2h11
